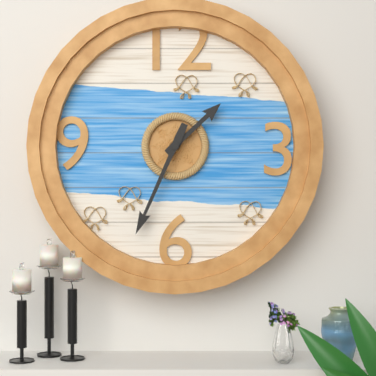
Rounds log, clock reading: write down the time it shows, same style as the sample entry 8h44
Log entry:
1h34
